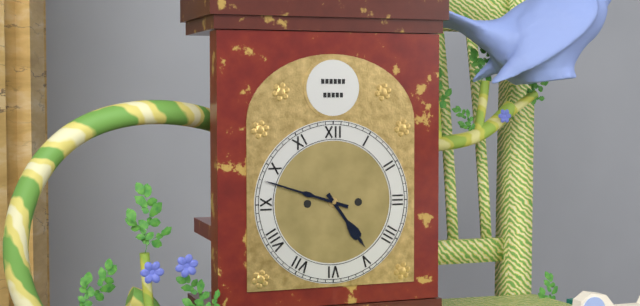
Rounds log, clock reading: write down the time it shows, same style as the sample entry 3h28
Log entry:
4h48
